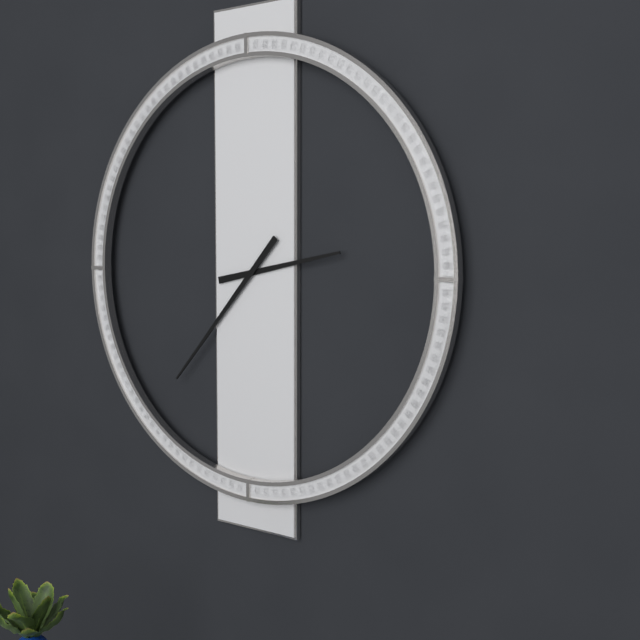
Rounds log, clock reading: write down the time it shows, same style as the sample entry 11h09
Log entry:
2h37
